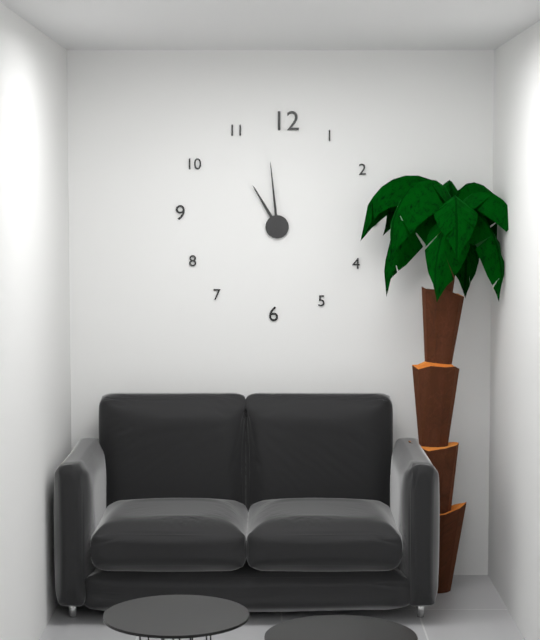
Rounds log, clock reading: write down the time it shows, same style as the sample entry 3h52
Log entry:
10h59
